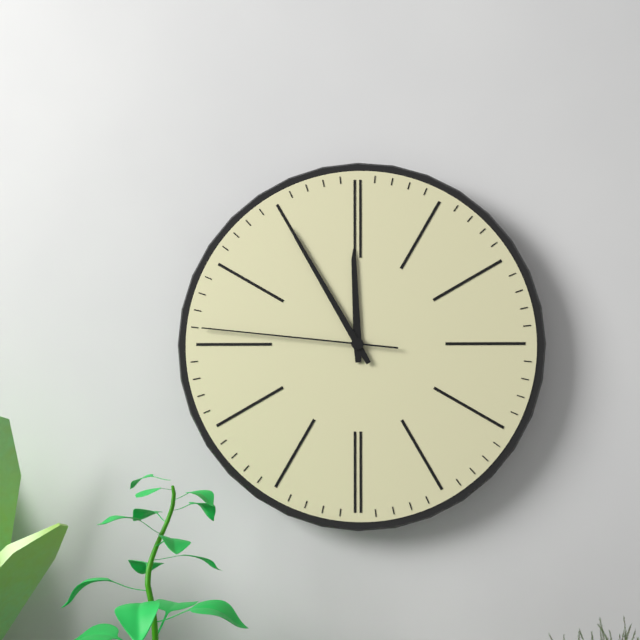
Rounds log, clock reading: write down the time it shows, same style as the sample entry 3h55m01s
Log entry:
11h55m46s
